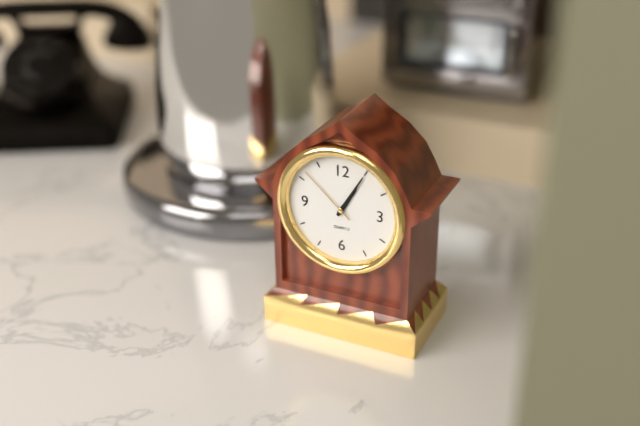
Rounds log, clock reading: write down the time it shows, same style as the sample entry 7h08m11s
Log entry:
1h05m52s
